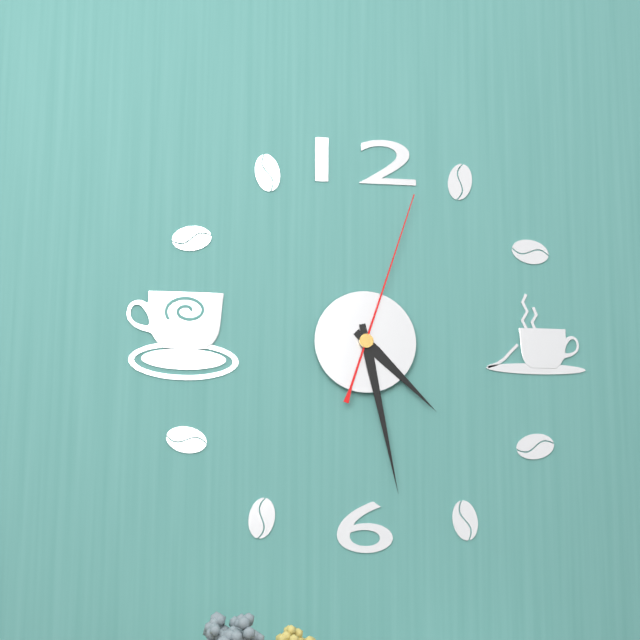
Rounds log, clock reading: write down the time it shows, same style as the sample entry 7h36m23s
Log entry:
4h28m03s
